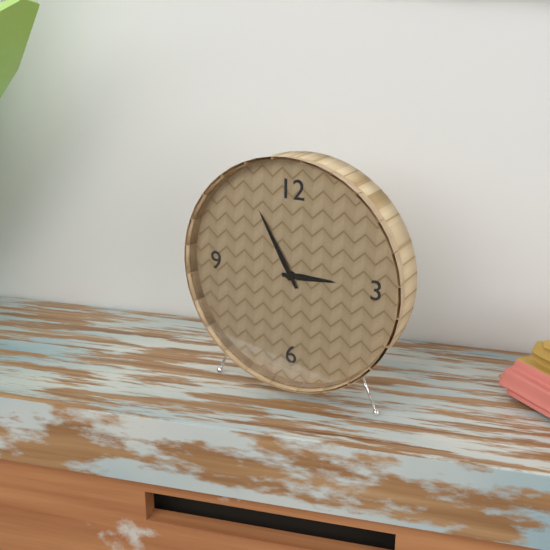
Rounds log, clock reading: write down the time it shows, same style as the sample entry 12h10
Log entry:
2h55
